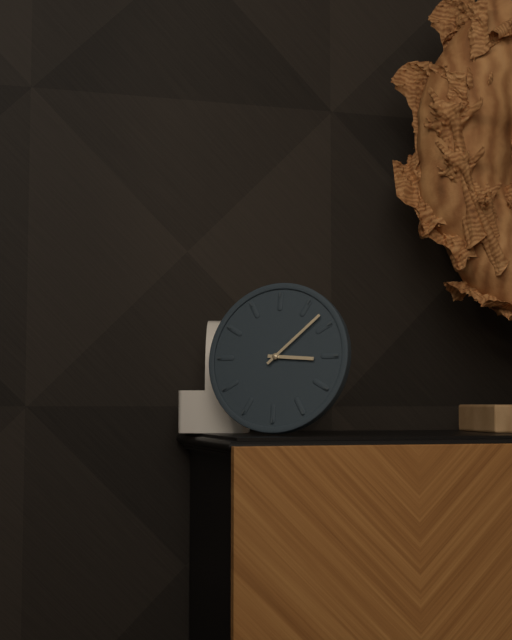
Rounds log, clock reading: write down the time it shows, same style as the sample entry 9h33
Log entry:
3h08
